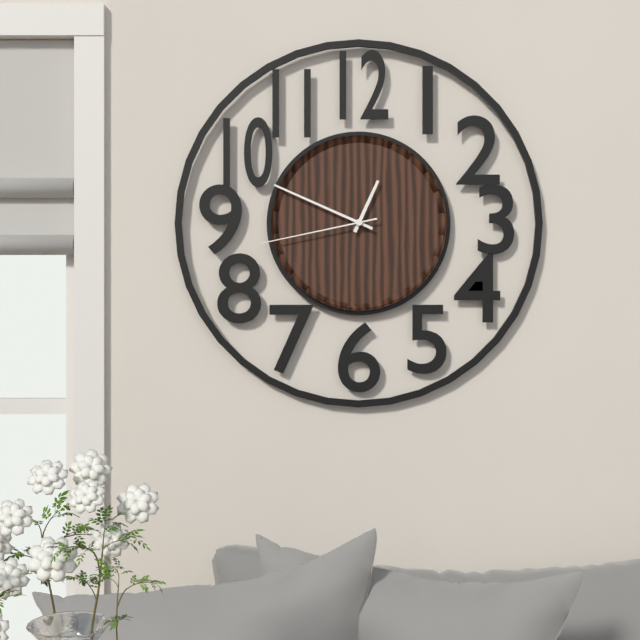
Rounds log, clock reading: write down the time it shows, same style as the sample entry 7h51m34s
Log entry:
12h49m43s
